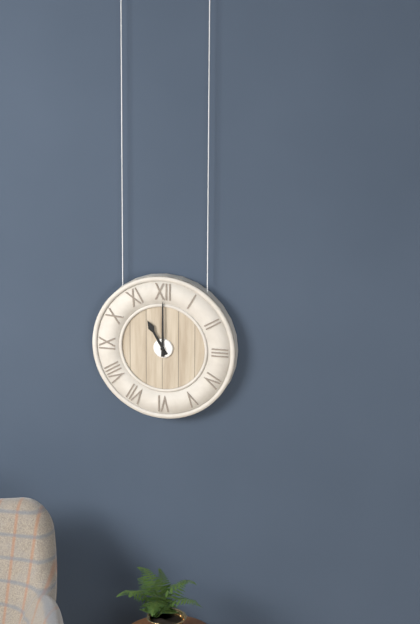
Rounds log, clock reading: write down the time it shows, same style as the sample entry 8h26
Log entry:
11h00
